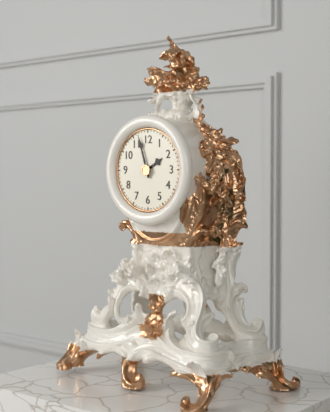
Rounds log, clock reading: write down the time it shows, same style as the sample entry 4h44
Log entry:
1h57
